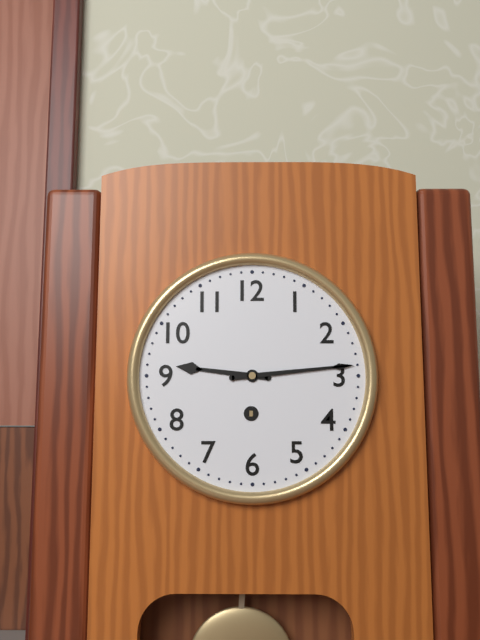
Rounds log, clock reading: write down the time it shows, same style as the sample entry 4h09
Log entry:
9h14
